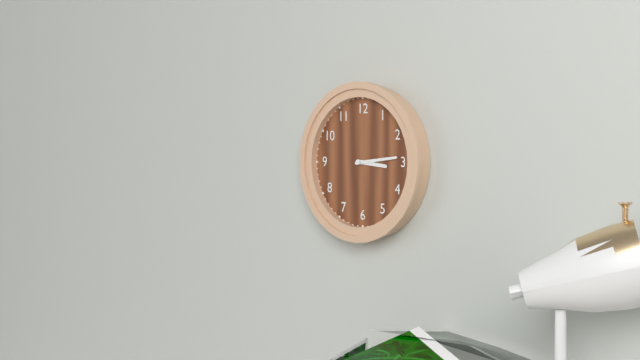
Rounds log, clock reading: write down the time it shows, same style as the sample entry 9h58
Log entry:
3h14
